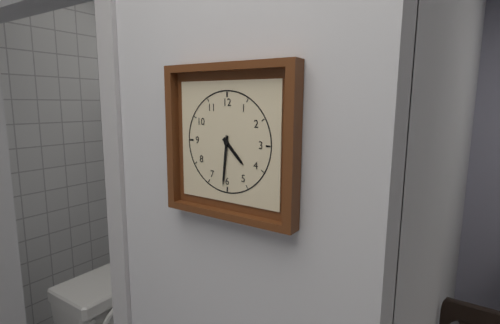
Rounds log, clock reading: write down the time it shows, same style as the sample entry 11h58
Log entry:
4h31
